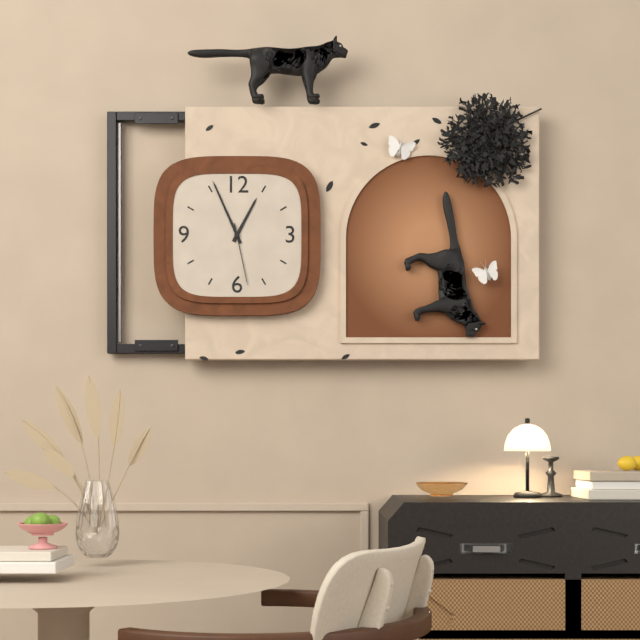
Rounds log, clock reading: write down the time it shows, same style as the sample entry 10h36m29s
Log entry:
12h56m28s
